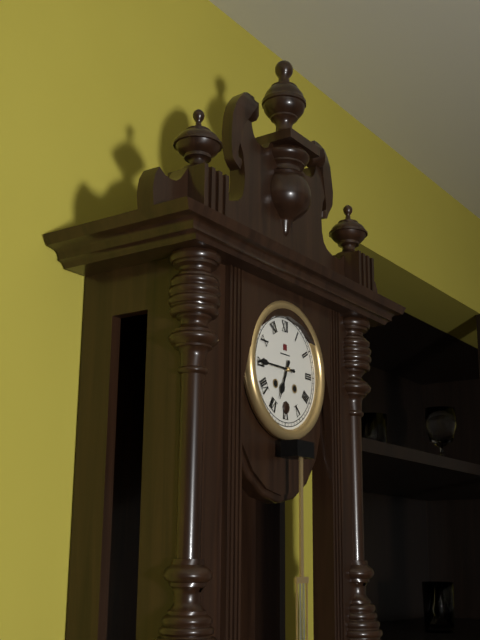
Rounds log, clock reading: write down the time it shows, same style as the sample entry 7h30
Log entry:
6h45
